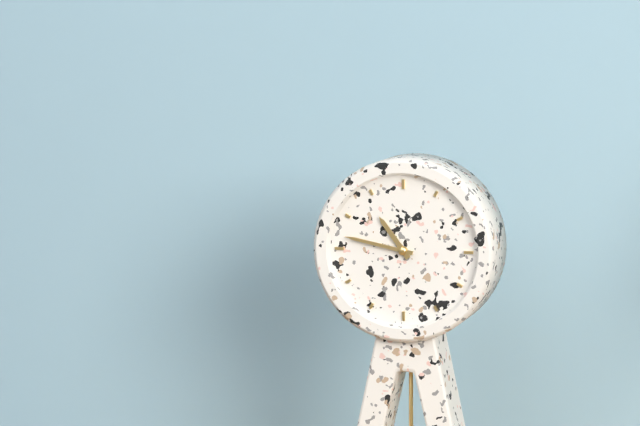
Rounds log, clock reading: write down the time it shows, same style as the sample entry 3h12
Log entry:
10h47
